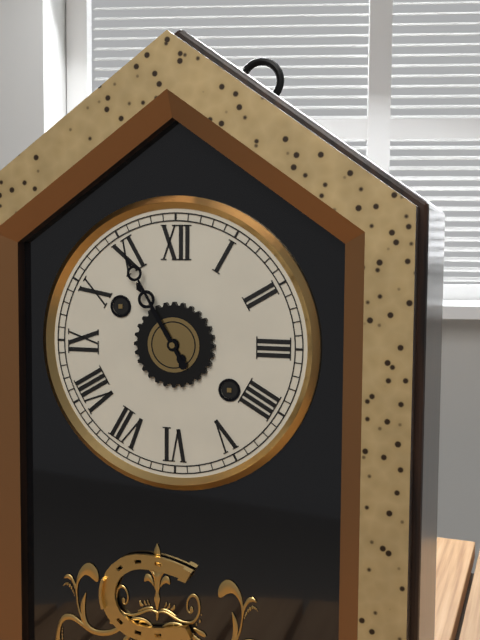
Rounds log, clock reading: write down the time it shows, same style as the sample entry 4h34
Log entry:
10h55
